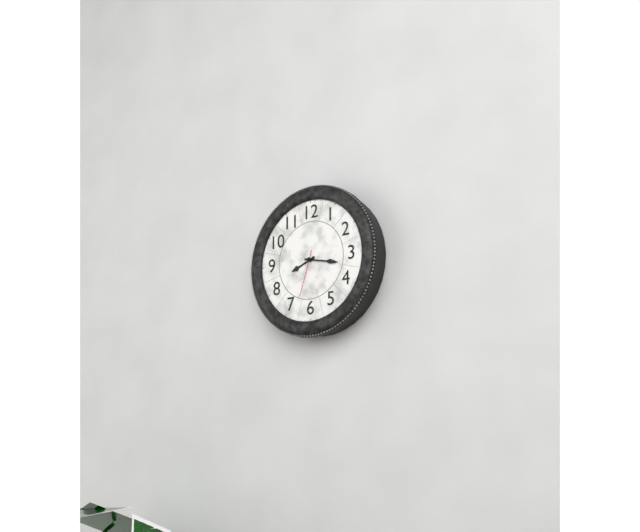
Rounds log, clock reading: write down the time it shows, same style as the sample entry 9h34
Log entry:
8h17
